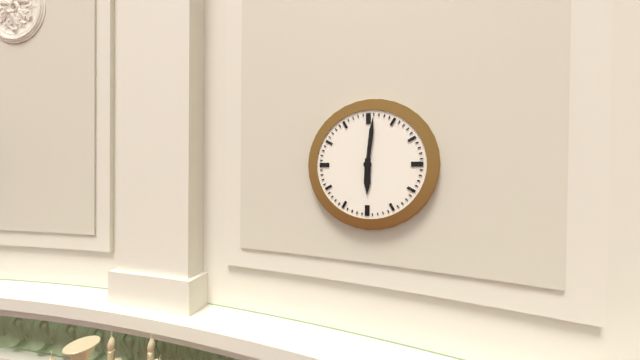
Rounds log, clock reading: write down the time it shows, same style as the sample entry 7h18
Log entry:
6h01
